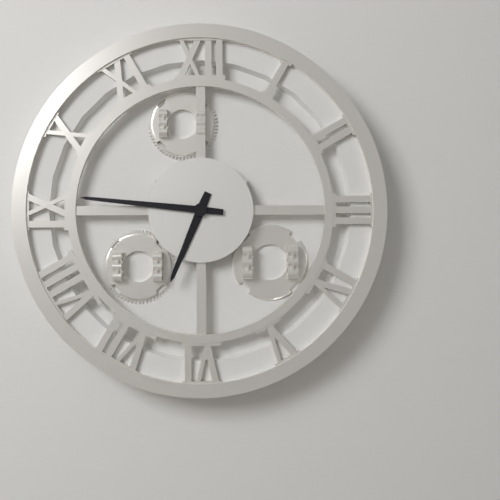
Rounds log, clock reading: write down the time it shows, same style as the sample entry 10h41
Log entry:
6h46
